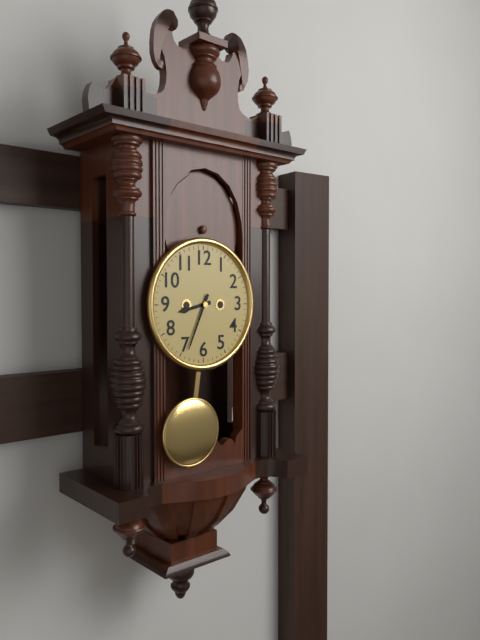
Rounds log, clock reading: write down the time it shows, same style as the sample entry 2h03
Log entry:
8h34
